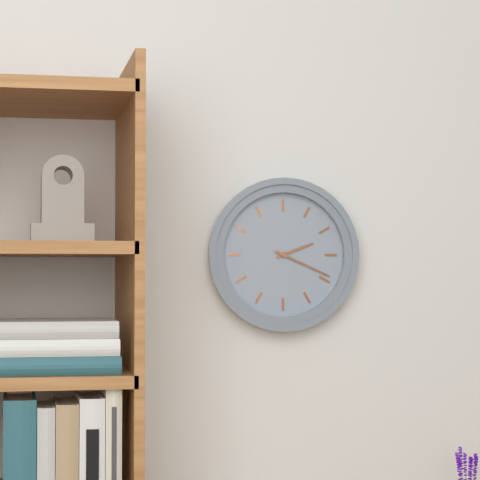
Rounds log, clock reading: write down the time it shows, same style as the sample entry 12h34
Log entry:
2h19
